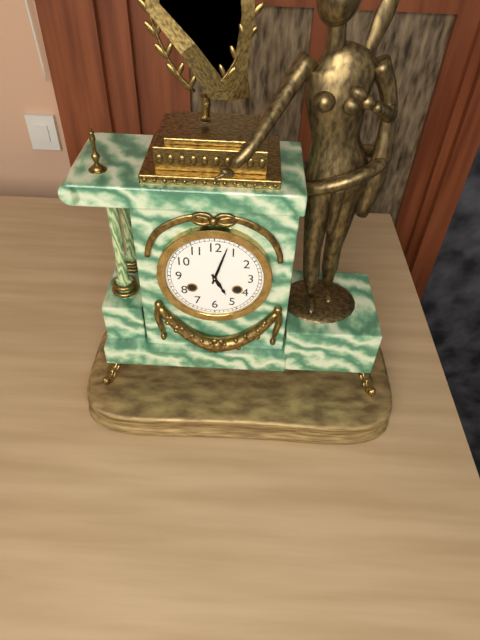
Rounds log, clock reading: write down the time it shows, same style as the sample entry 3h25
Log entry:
5h03
